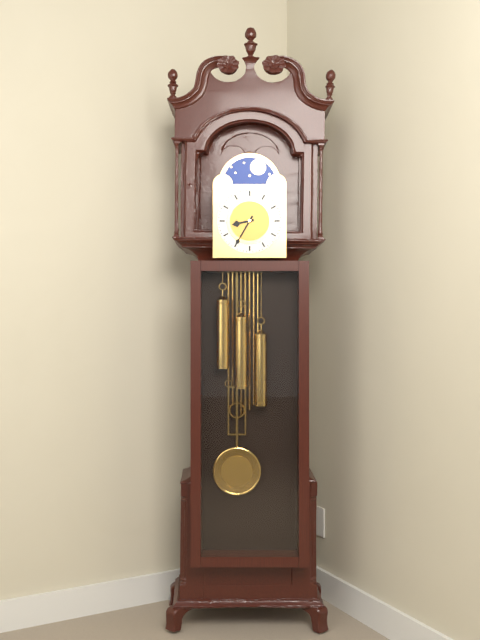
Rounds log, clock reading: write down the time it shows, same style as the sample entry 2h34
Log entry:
8h35
